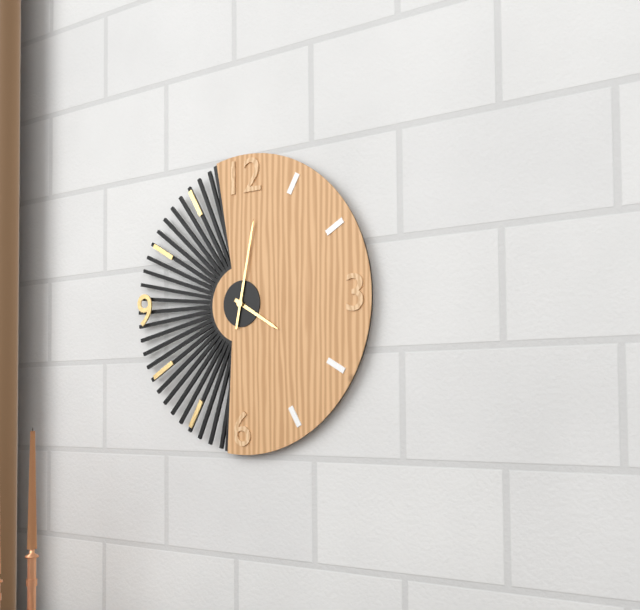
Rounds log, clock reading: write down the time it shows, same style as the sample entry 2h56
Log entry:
4h02
